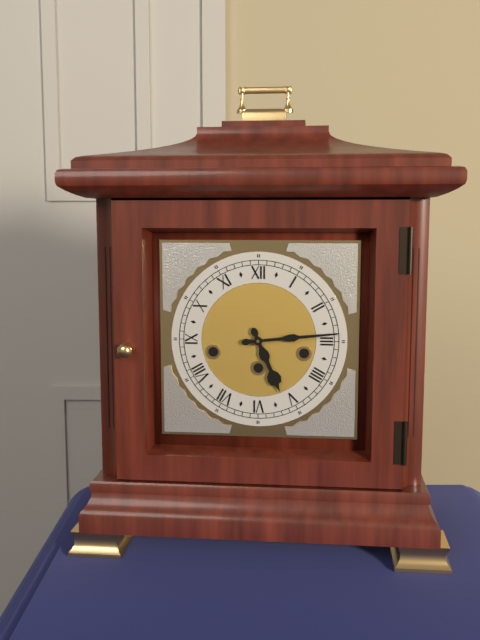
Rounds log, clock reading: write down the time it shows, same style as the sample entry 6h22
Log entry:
5h14
